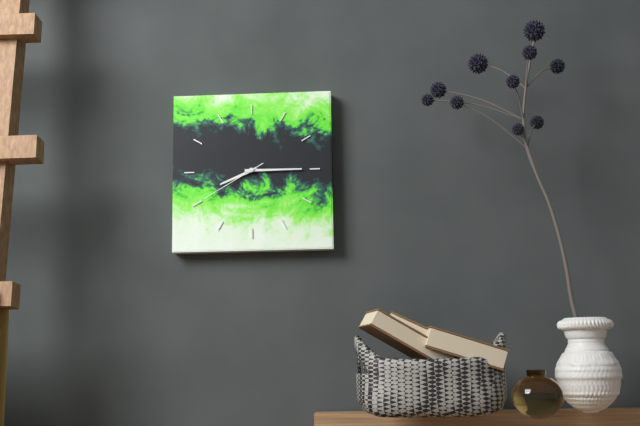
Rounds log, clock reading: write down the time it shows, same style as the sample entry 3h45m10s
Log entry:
8h15m40s
